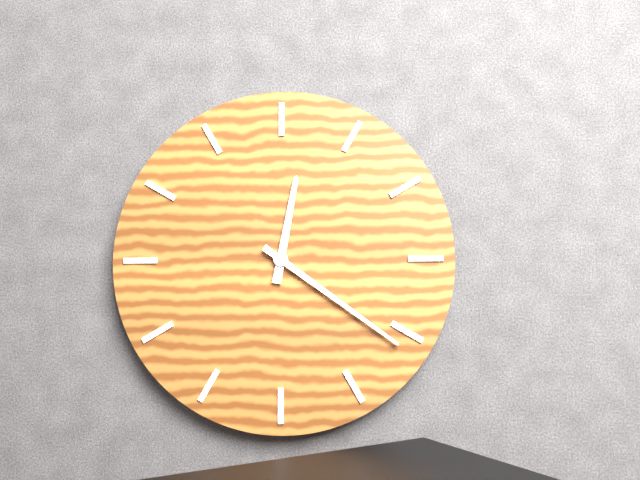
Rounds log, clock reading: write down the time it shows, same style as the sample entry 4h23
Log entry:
12h21
